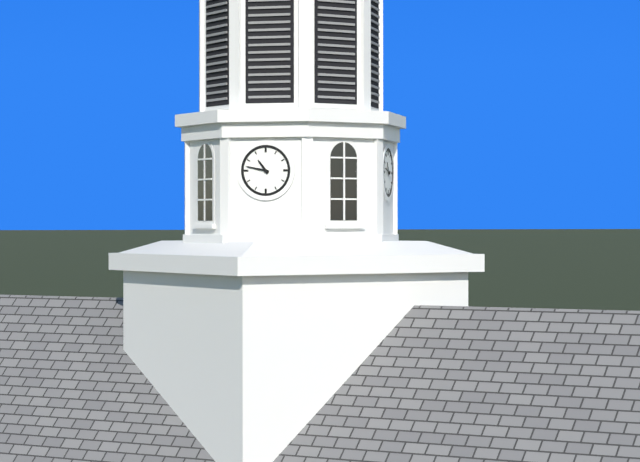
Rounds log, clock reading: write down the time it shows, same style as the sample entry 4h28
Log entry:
10h47
